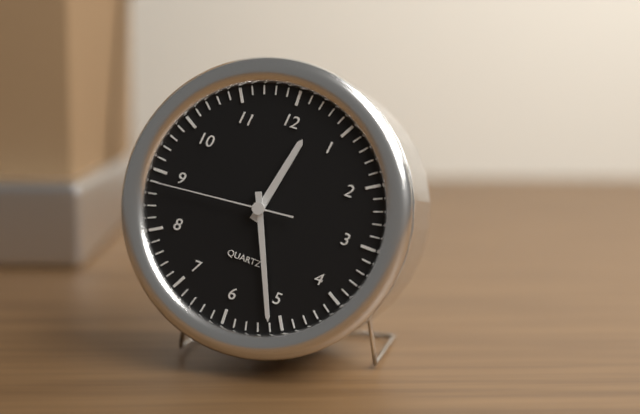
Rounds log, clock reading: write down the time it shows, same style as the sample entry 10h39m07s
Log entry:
12h26m44s
